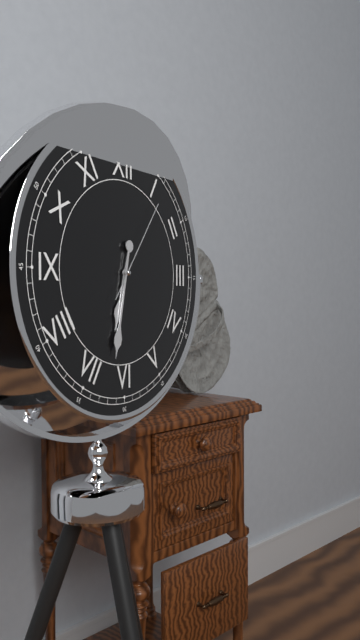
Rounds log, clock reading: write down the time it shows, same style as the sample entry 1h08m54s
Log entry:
6h32m06s
